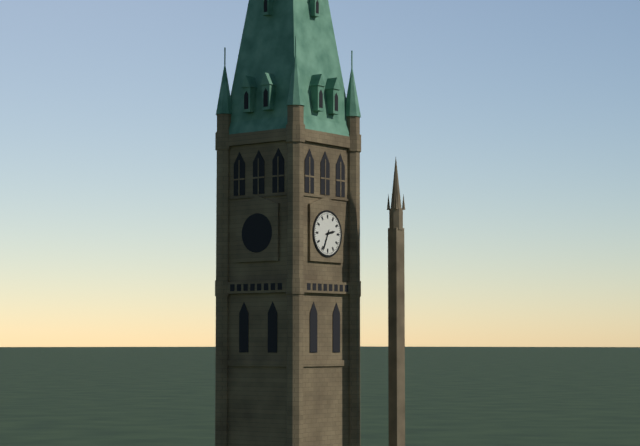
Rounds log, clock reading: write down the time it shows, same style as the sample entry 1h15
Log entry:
2h34
